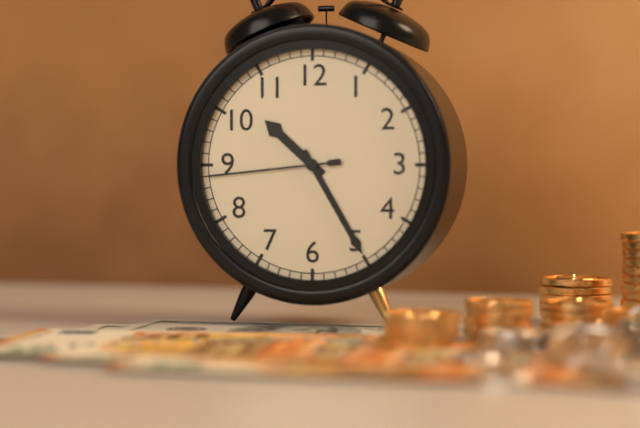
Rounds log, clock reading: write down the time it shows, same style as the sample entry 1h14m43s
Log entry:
10h25m44s
